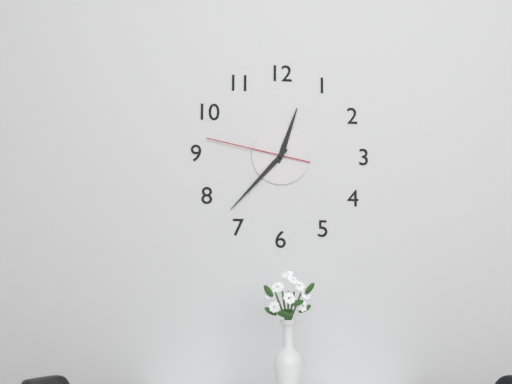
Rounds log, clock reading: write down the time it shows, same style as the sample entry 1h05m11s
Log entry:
12h37m47s
